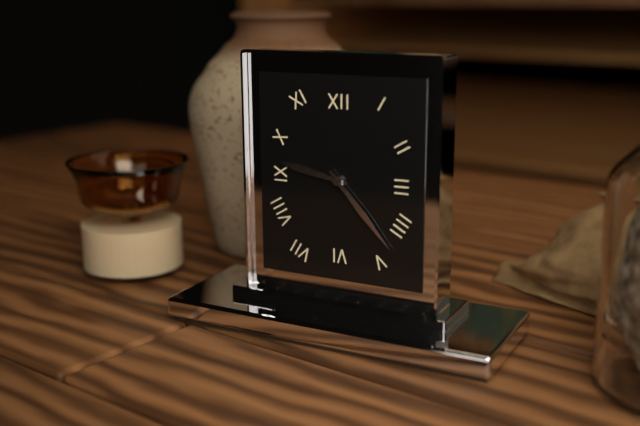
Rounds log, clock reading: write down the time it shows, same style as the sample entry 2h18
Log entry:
9h23
